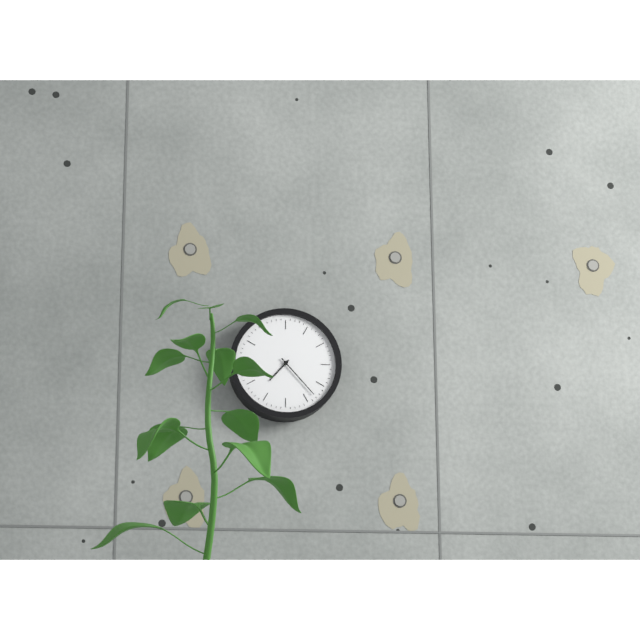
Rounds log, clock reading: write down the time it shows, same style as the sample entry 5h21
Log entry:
7h23
